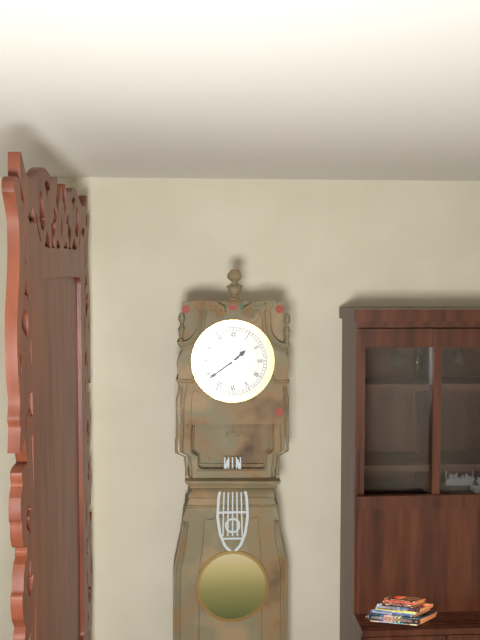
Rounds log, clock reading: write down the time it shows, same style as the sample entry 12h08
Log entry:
1h39
